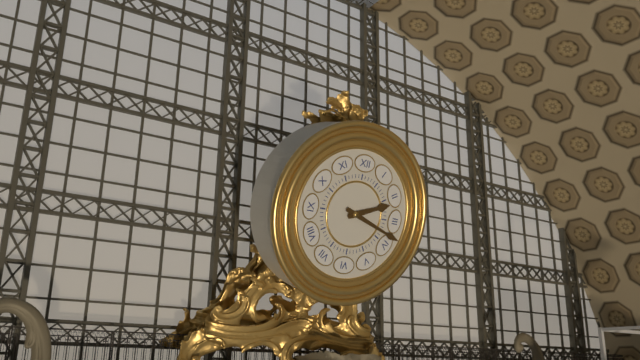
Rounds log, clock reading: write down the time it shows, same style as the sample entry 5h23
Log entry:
2h18
